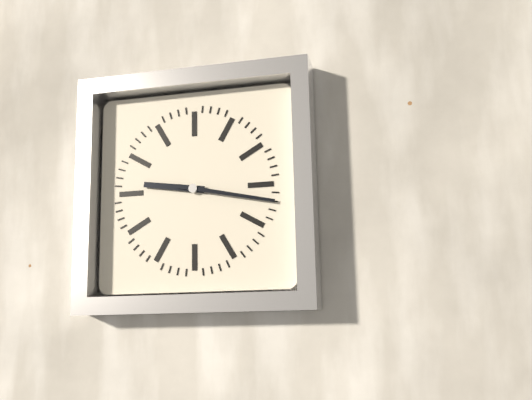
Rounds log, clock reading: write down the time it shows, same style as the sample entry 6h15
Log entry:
9h17
